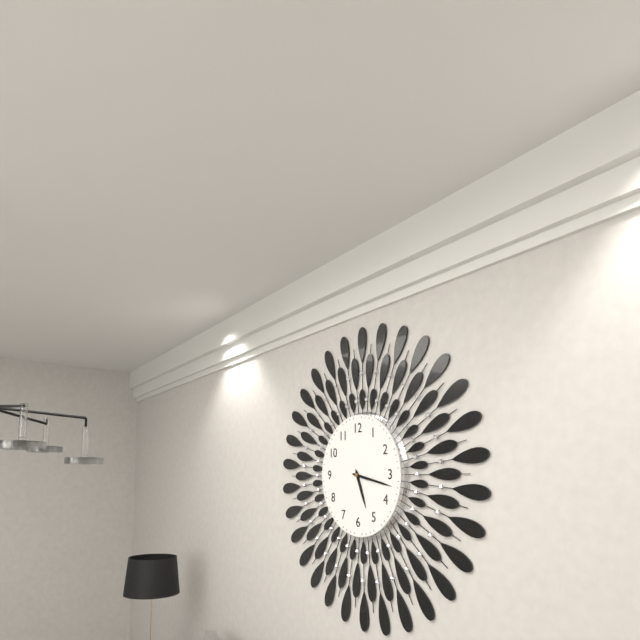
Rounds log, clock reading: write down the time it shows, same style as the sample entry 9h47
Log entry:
5h17
